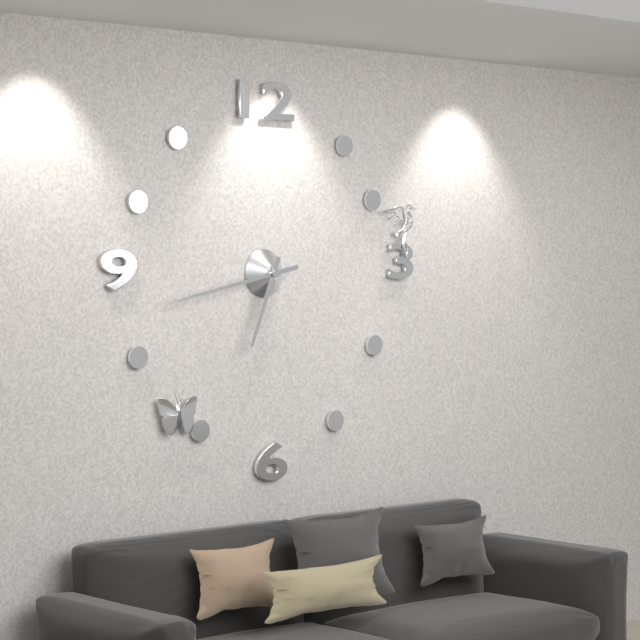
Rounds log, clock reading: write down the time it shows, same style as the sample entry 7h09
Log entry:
6h43
